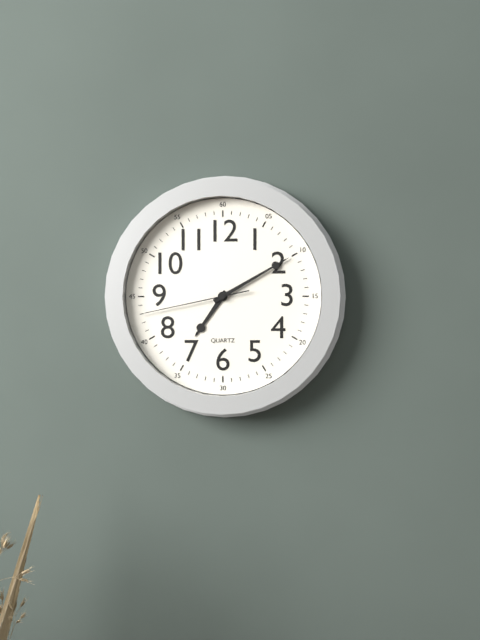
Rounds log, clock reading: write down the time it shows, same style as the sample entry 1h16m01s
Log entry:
7h10m43s
